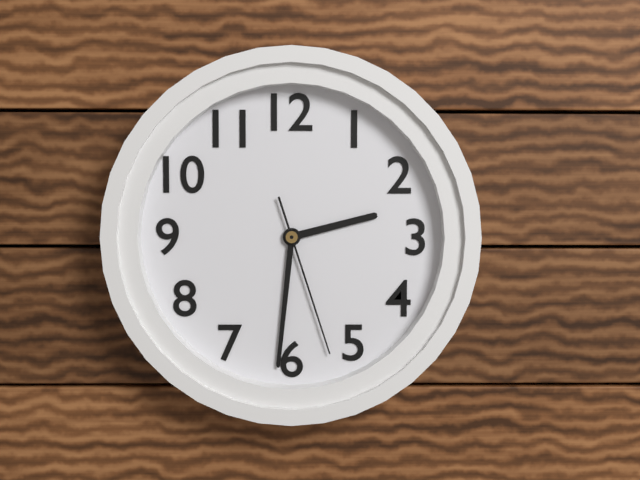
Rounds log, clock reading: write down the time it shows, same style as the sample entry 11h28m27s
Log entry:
2h31m27s
